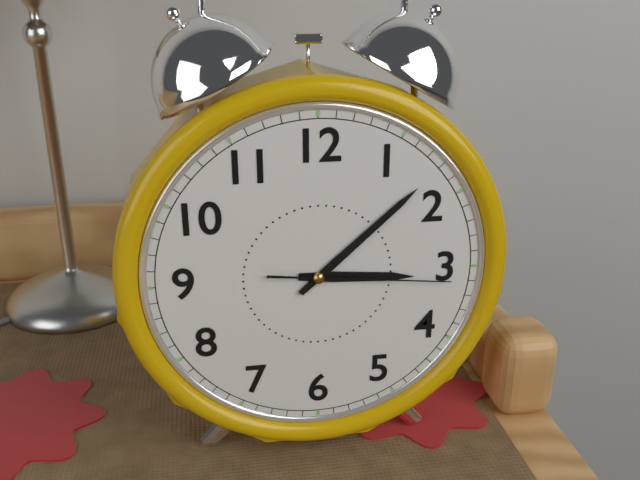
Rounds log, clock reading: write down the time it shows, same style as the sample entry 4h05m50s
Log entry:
3h08m16s
